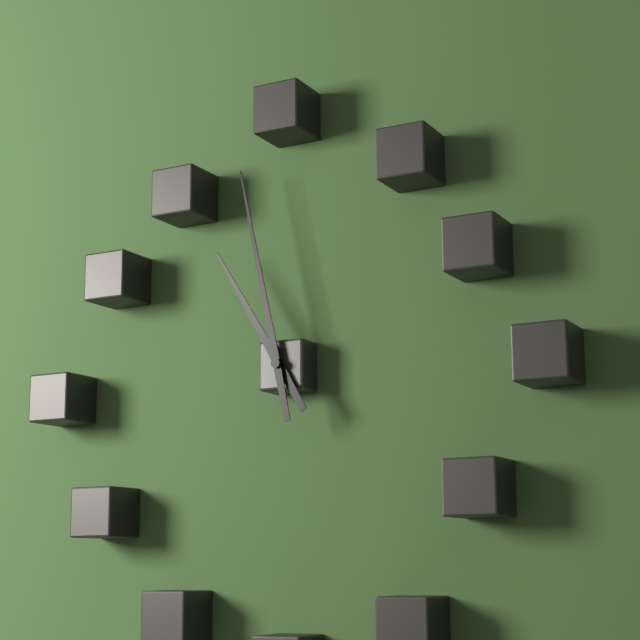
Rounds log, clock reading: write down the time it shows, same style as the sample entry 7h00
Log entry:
10h58
